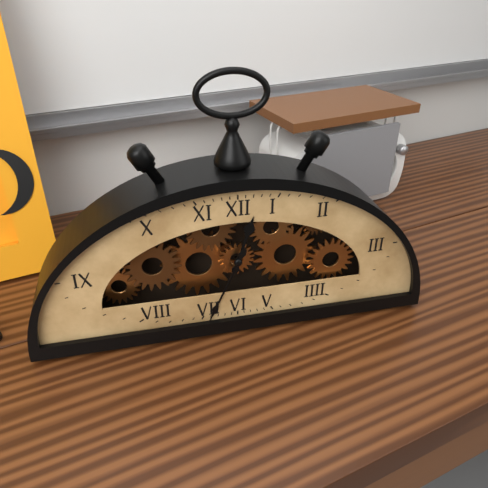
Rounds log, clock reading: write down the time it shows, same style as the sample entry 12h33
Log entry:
12h34
